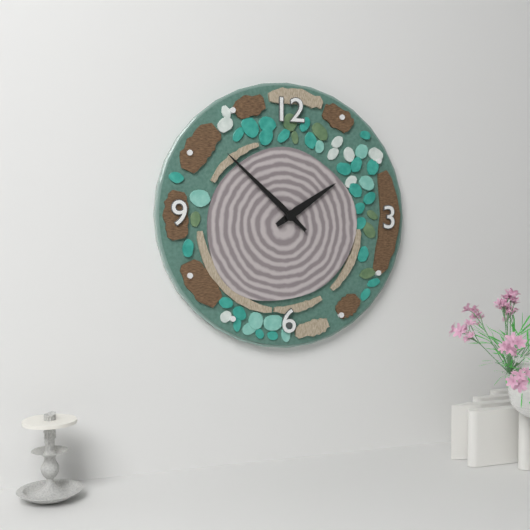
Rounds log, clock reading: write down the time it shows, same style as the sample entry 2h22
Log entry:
1h52
